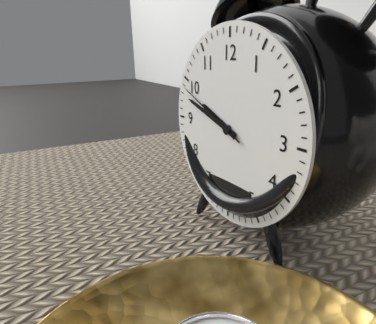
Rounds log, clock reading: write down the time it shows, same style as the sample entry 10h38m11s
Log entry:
9h48m49s
